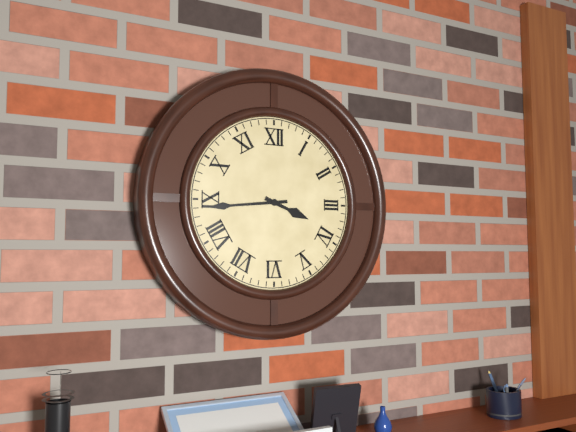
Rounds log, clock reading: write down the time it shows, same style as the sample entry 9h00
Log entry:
3h44
